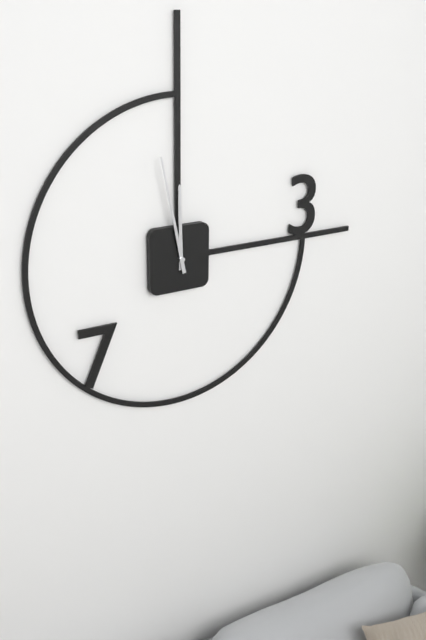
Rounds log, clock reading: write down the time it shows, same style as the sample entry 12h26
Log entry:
11h58
